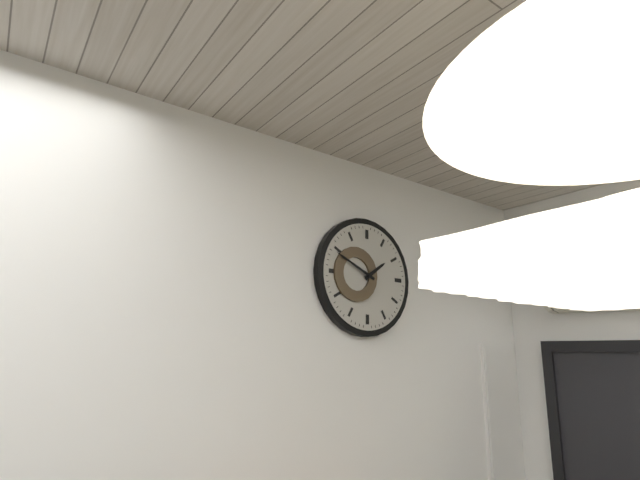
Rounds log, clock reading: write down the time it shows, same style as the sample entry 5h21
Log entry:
1h49
